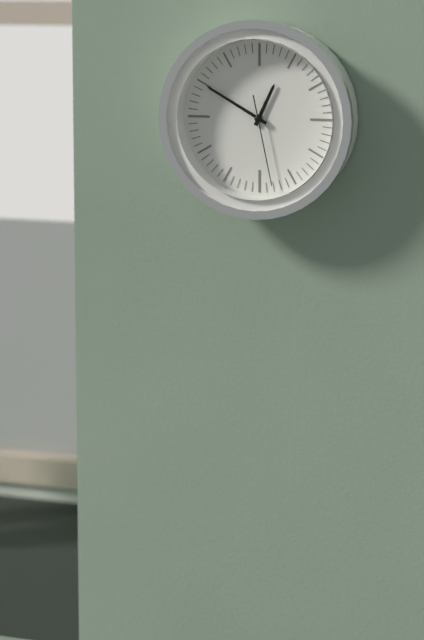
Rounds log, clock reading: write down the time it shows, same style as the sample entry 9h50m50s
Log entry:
12h50m28s
